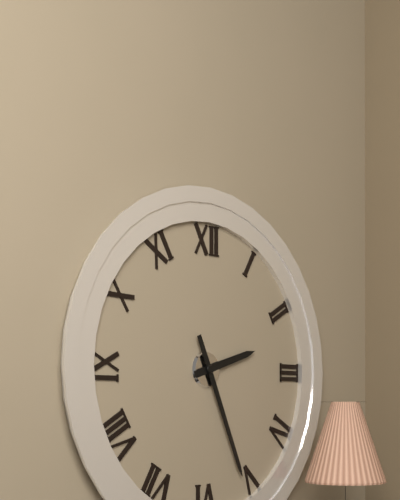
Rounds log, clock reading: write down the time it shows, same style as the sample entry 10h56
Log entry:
2h26
